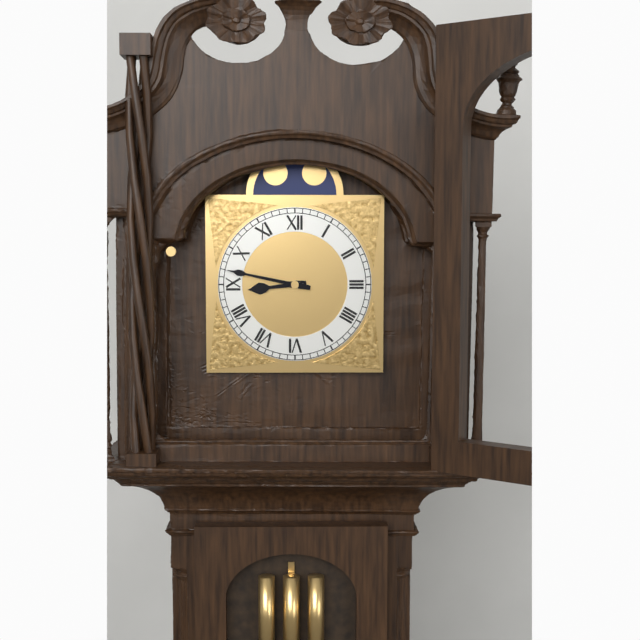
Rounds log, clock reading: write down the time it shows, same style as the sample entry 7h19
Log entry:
8h47
